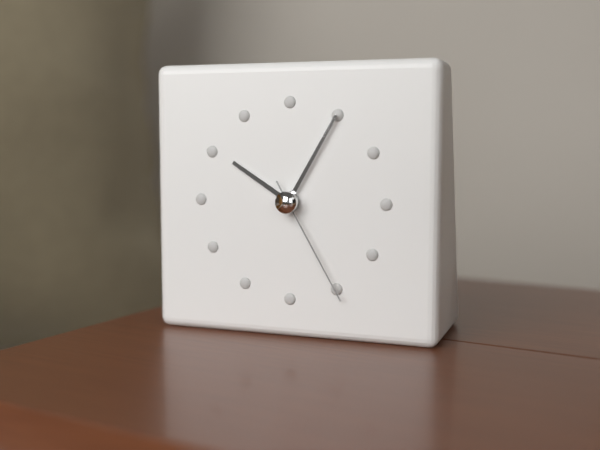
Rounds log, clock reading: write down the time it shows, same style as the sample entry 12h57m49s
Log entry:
10h05m25s
